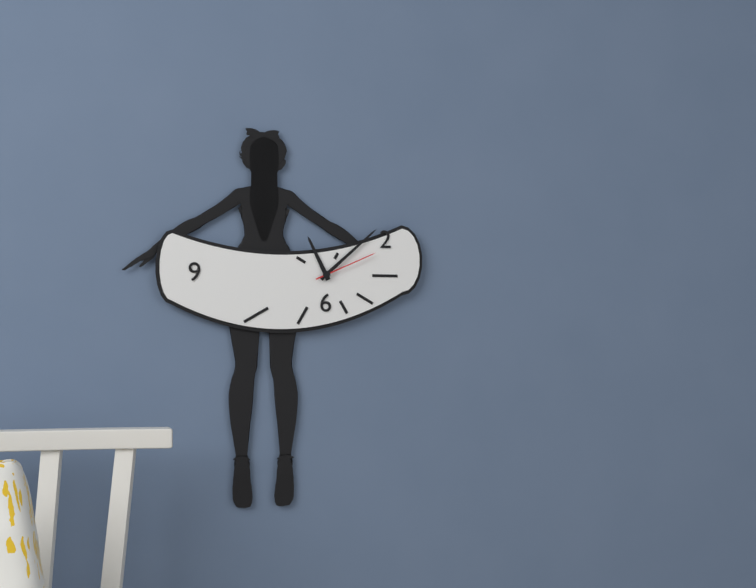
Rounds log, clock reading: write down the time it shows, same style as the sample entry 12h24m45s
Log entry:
11h08m11s
